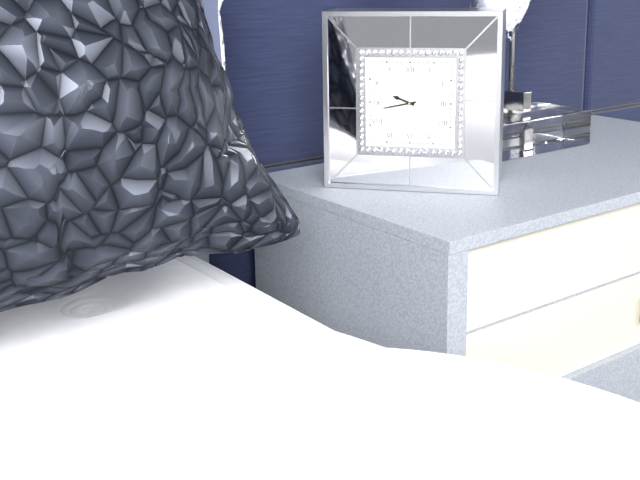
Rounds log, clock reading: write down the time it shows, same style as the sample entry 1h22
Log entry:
9h43
